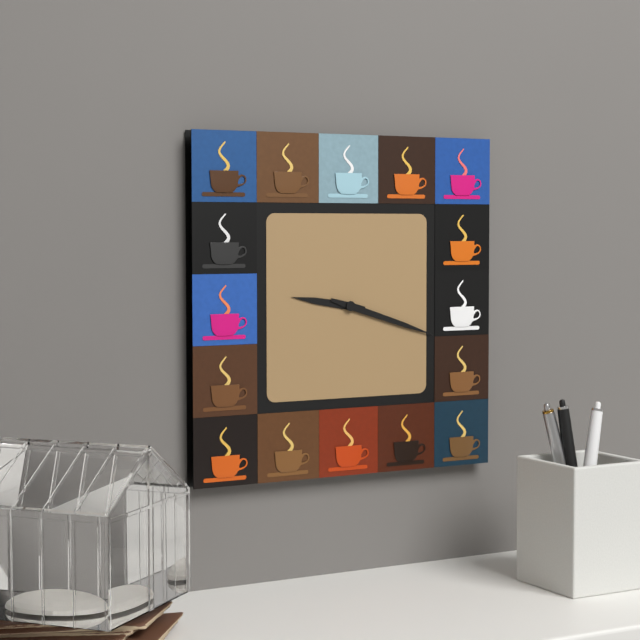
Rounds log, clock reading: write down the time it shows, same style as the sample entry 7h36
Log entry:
9h18
